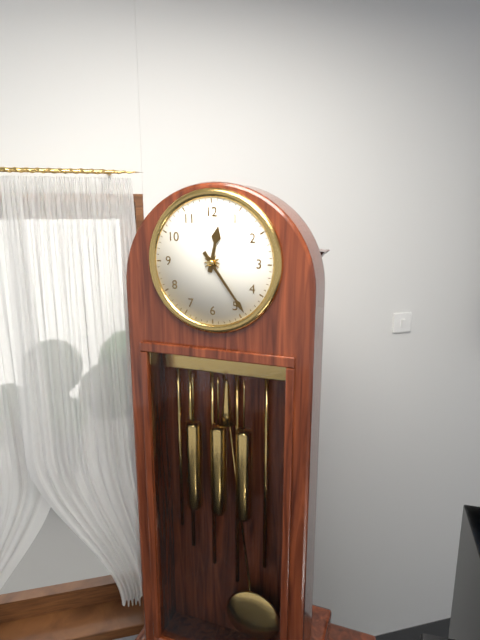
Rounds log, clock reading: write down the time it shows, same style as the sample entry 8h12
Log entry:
12h24
